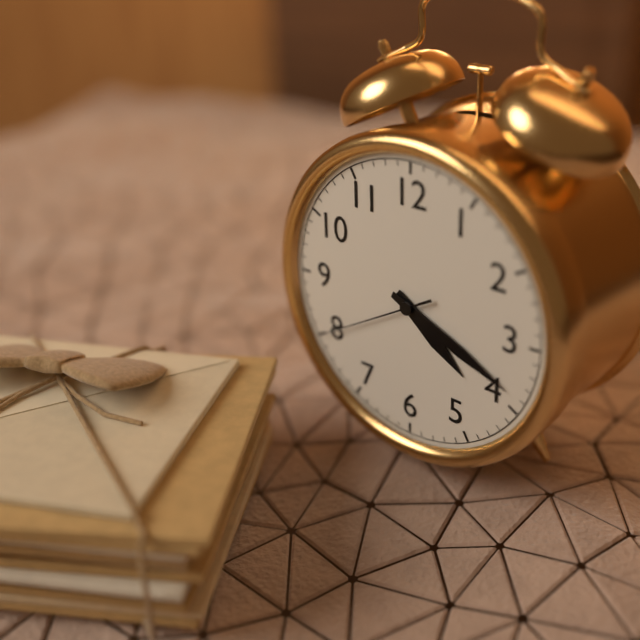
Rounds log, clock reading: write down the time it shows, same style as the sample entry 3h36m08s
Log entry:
4h19m40s
